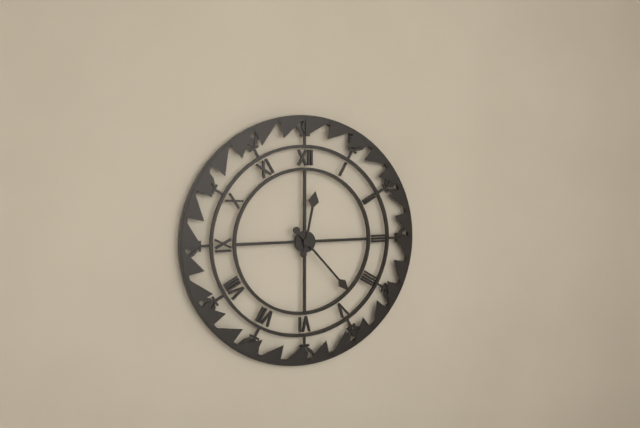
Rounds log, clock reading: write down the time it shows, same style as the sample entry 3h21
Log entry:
12h23
